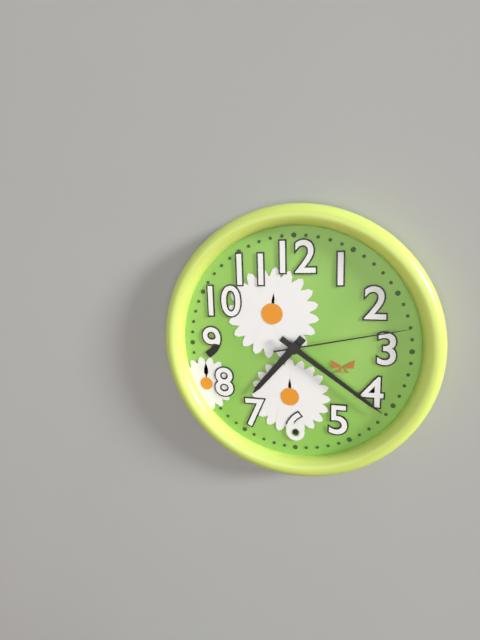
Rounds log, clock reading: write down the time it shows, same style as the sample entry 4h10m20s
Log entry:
7h21m13s
